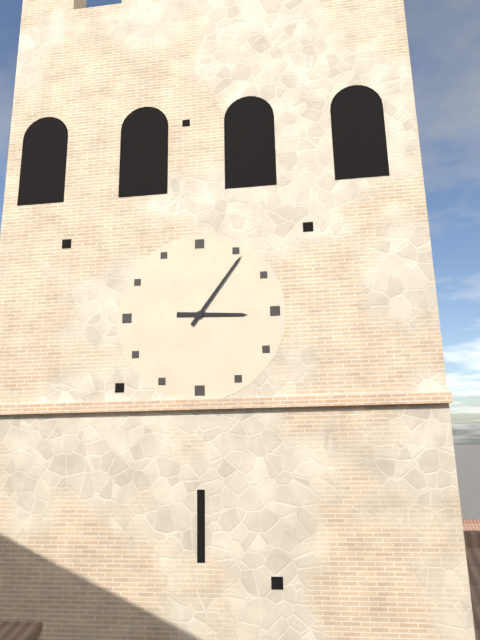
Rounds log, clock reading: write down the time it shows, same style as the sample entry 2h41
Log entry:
3h06
